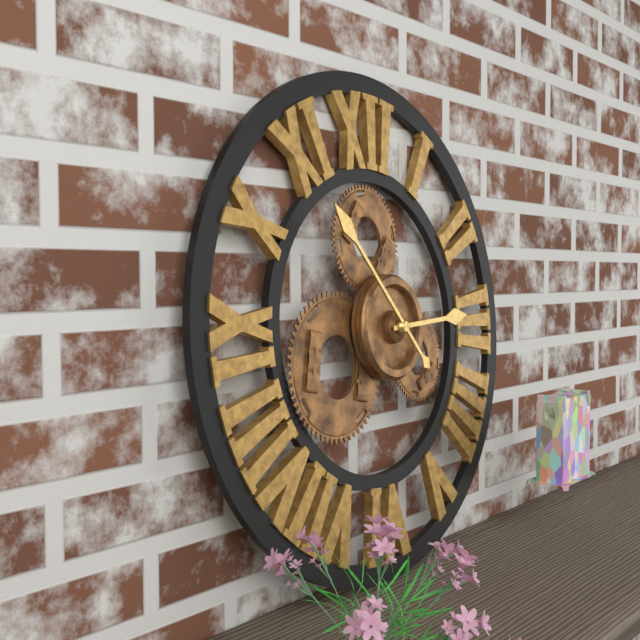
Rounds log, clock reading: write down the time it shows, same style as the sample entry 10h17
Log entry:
2h53
